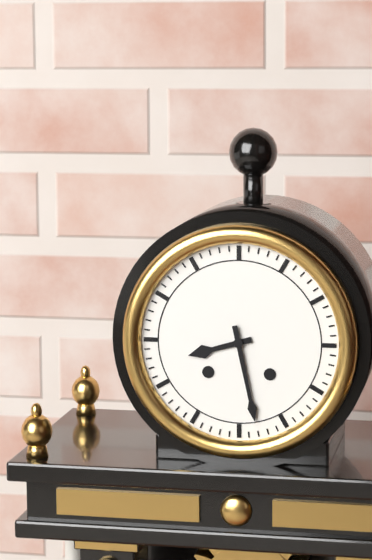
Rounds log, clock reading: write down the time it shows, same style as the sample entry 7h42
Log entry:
8h28
